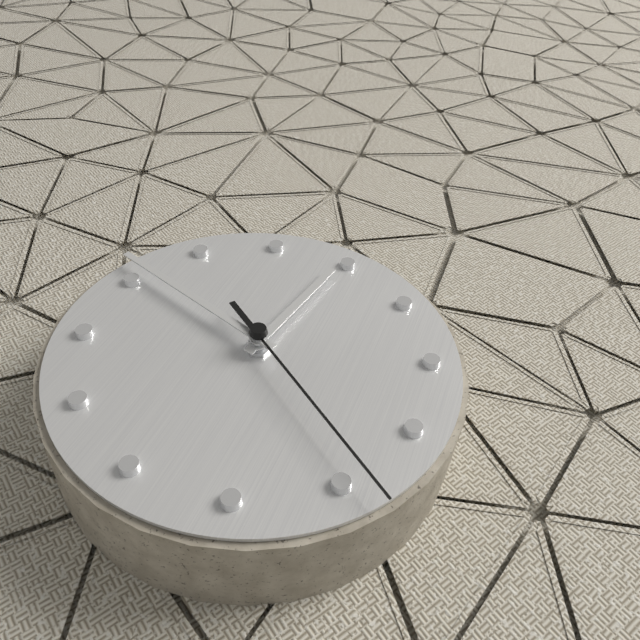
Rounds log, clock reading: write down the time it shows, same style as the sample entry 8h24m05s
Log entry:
1h56m29s
